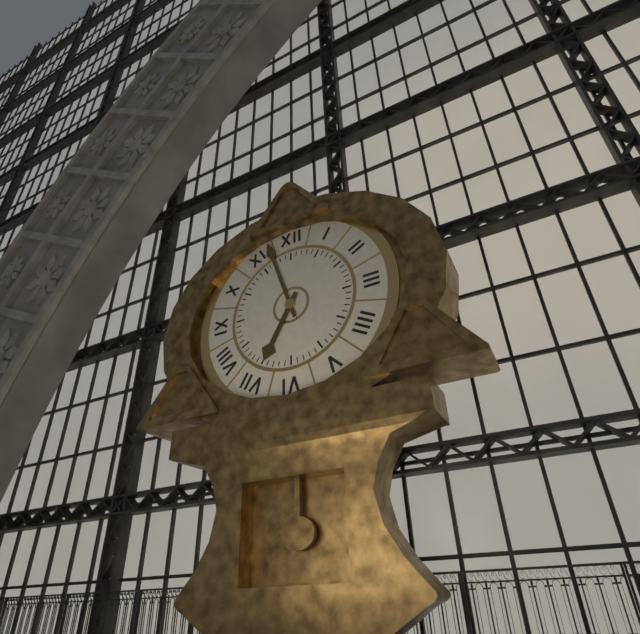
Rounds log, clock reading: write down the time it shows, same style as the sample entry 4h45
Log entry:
6h57
